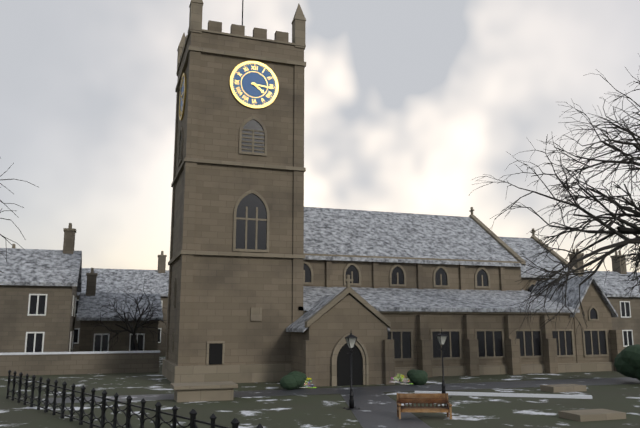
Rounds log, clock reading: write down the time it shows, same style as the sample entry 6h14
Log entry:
4h16
